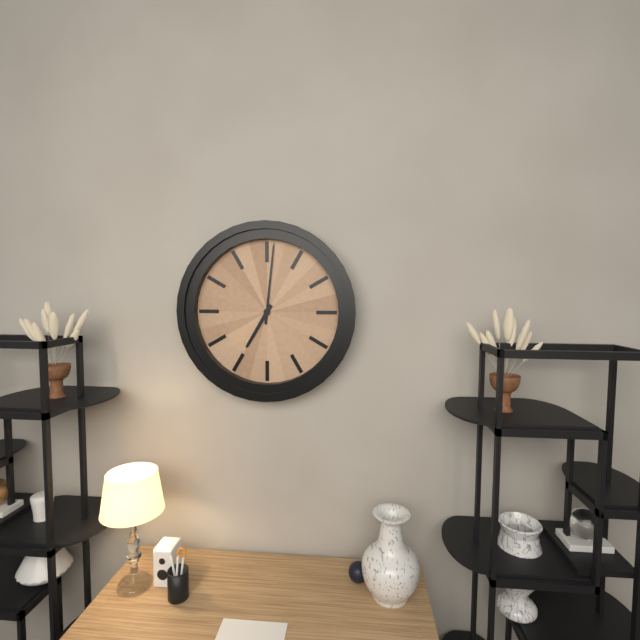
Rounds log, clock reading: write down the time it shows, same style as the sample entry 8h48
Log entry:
7h01
